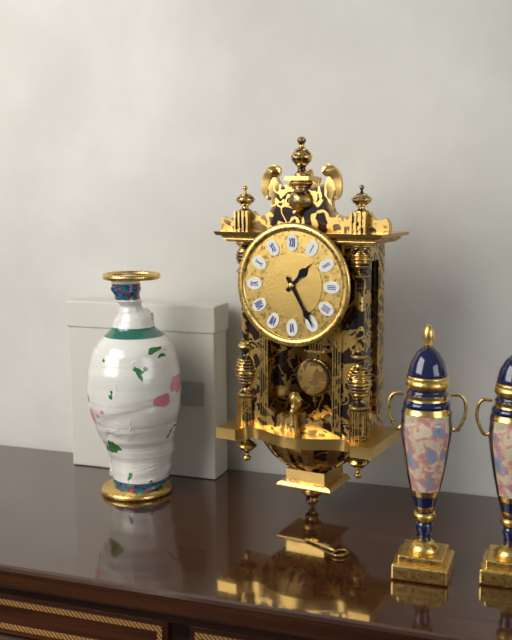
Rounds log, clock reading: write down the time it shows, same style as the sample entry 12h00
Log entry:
1h25
